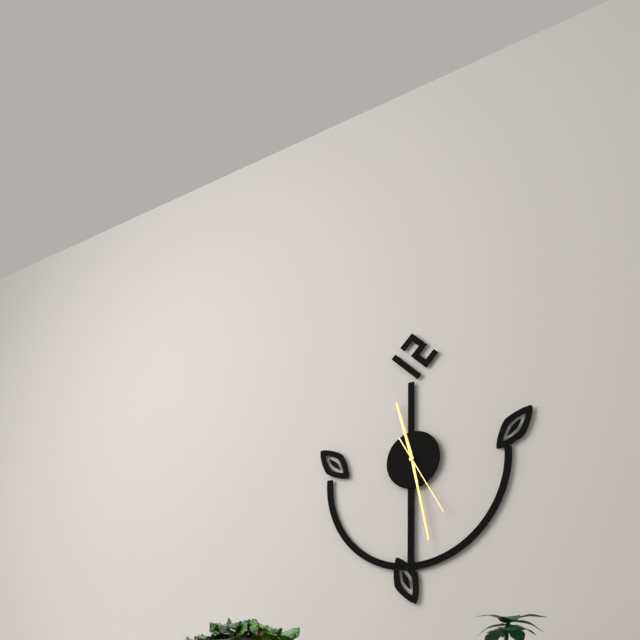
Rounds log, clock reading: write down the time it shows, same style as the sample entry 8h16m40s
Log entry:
11h28m25s
